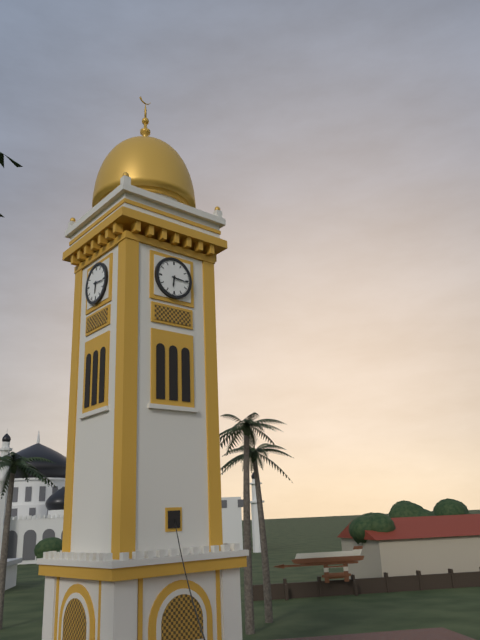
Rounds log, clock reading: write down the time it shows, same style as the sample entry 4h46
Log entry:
6h16
